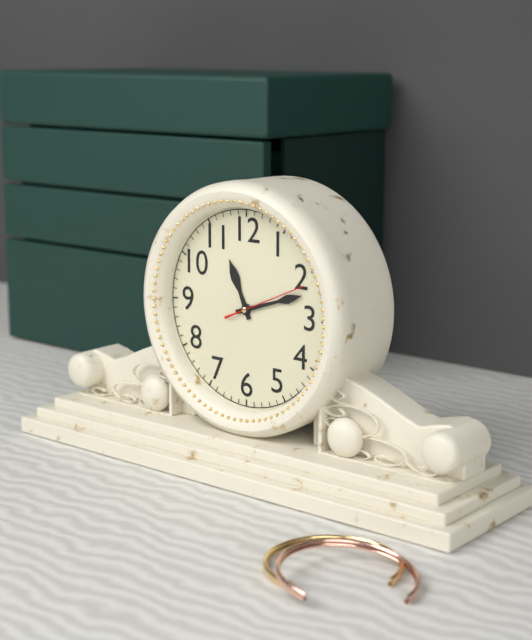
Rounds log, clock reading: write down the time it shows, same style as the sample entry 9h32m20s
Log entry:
11h12m11s
